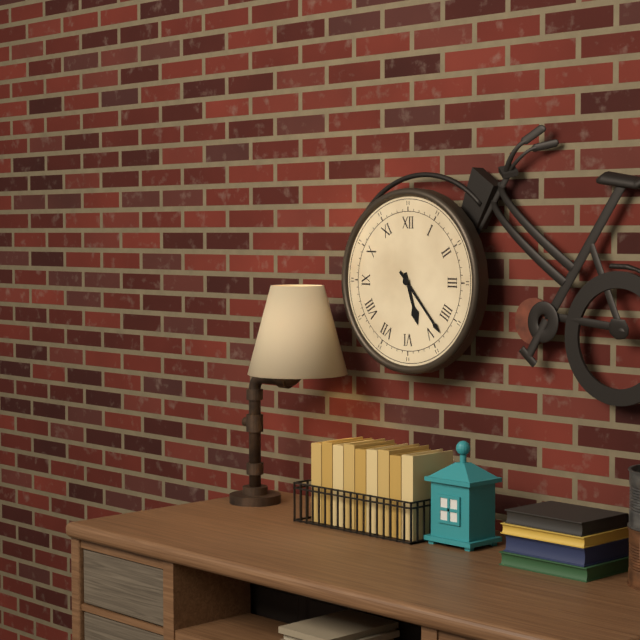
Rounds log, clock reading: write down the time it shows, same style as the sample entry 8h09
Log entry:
5h23
